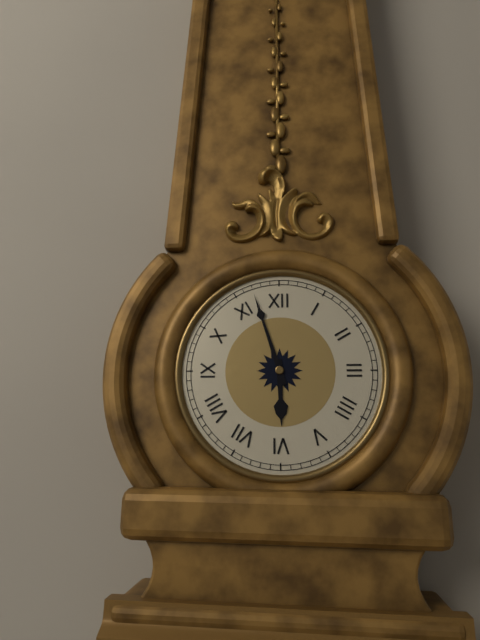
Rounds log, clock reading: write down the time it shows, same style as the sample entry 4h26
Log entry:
5h57
